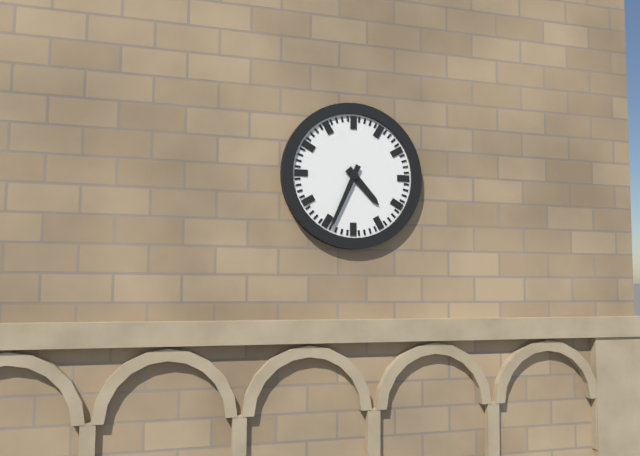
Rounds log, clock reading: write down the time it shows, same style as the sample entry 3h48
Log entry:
4h34
